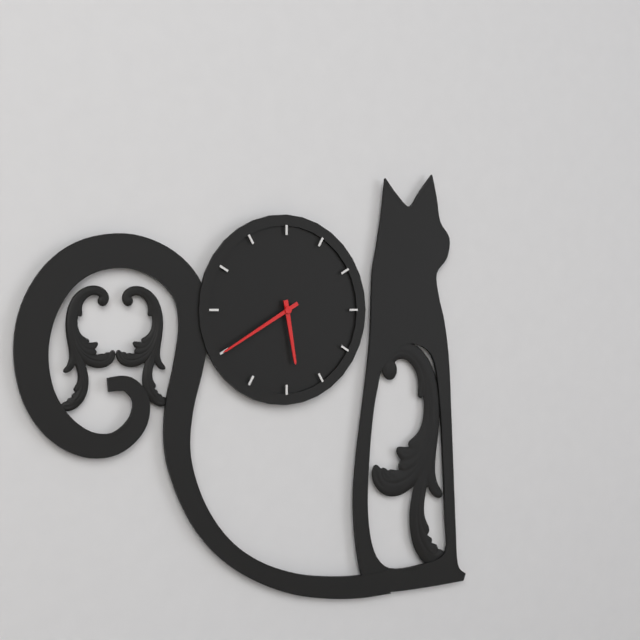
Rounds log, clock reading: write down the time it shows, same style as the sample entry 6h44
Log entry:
5h40
